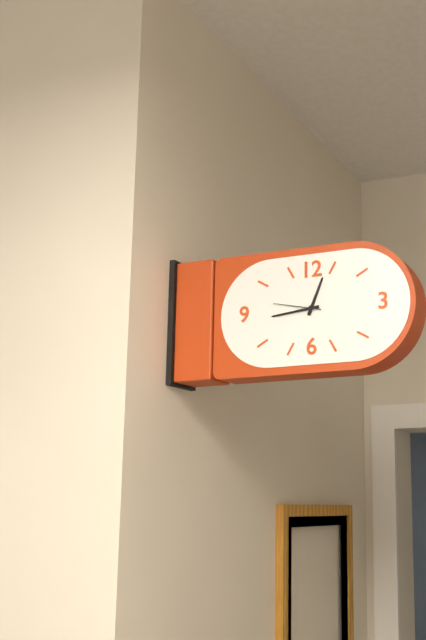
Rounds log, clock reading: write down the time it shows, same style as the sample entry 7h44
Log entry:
12h44
